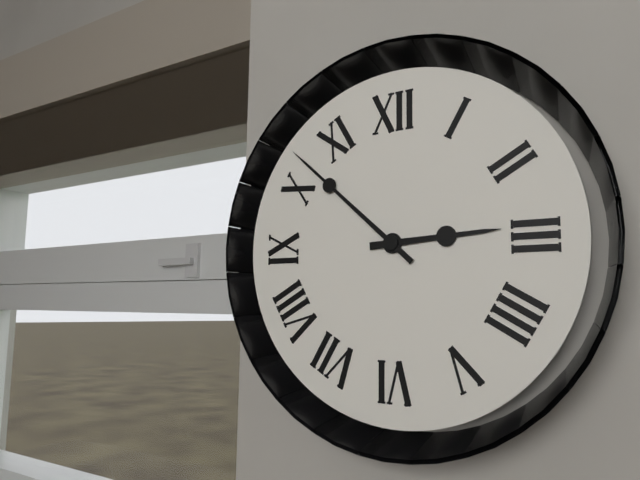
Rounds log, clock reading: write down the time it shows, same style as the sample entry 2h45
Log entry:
2h52
